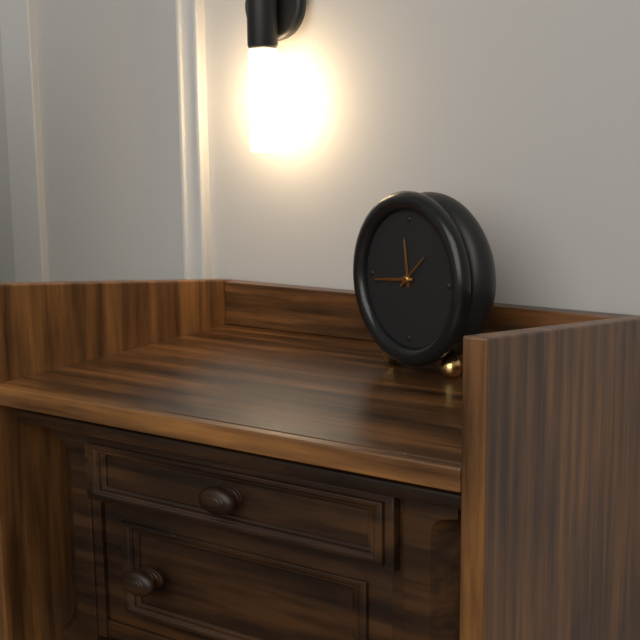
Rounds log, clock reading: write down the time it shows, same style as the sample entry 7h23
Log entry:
11h44
